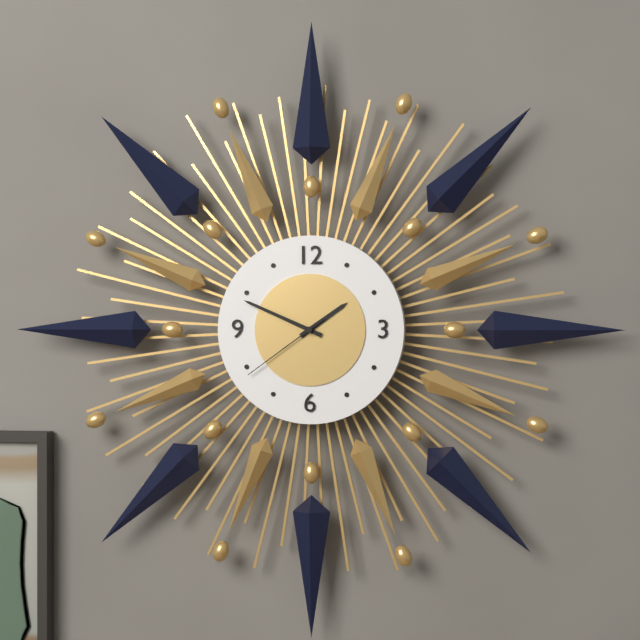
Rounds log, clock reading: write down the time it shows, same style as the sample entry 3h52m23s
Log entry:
1h49m39s
